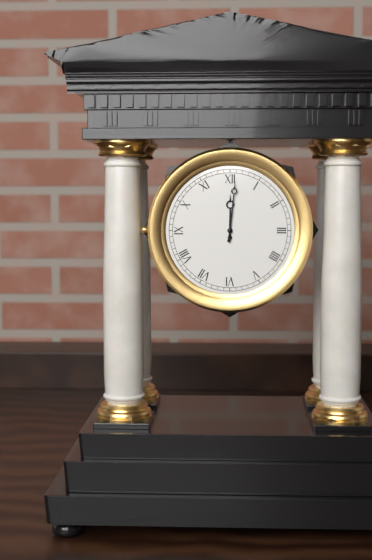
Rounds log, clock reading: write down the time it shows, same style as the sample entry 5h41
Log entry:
12h01
